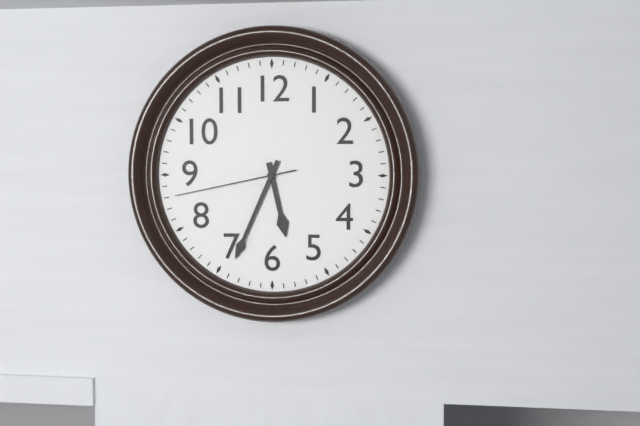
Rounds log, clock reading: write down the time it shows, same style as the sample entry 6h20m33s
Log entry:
5h34m43s
